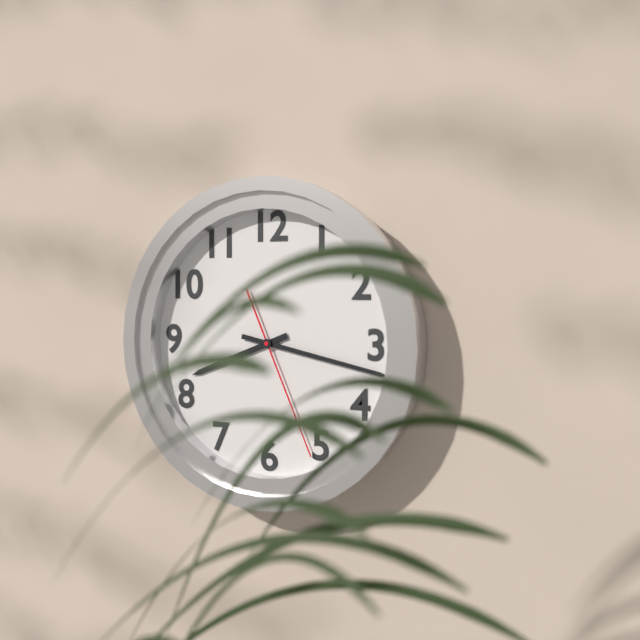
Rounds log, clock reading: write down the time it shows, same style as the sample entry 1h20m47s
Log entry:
8h17m26s
